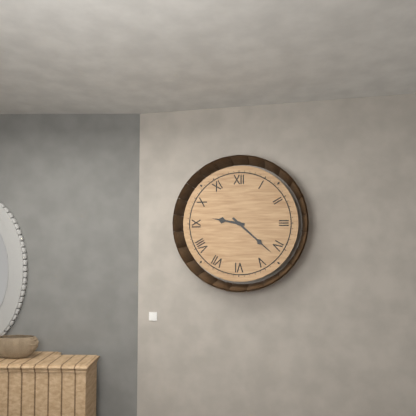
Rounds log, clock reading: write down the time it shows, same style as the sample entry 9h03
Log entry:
9h22
